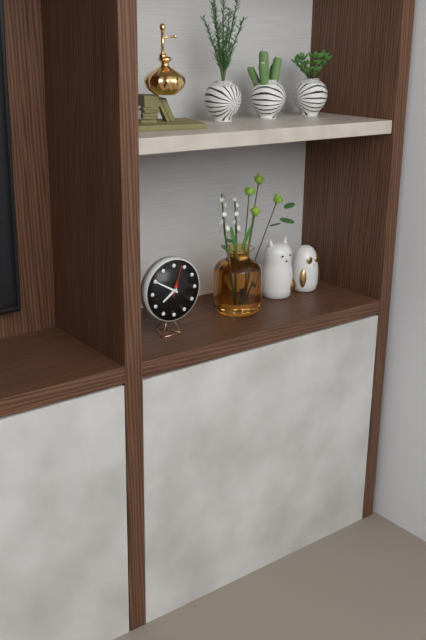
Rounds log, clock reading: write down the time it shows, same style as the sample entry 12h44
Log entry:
7h50
